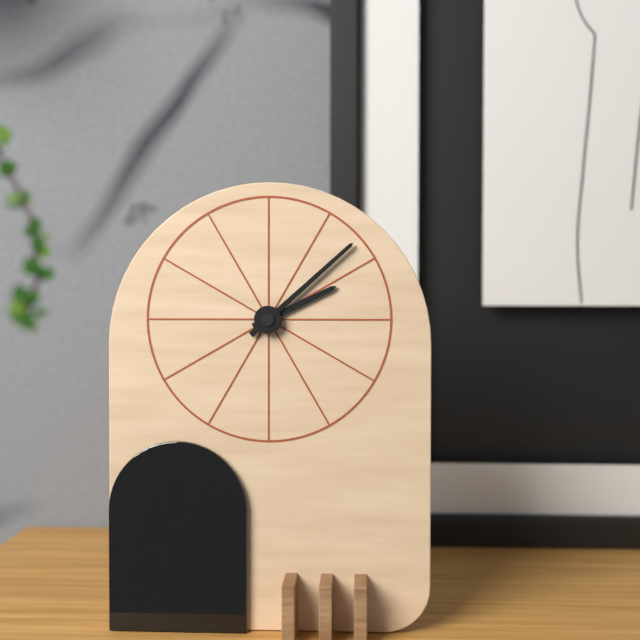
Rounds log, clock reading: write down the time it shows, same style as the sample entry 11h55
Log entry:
2h08
